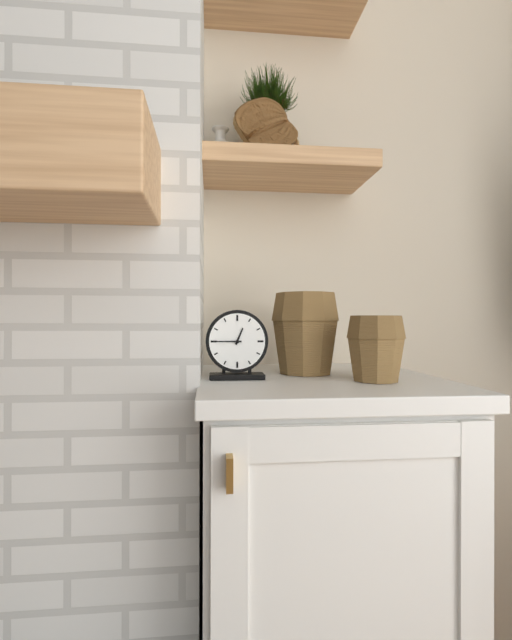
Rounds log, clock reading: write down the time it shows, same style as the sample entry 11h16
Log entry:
12h45
